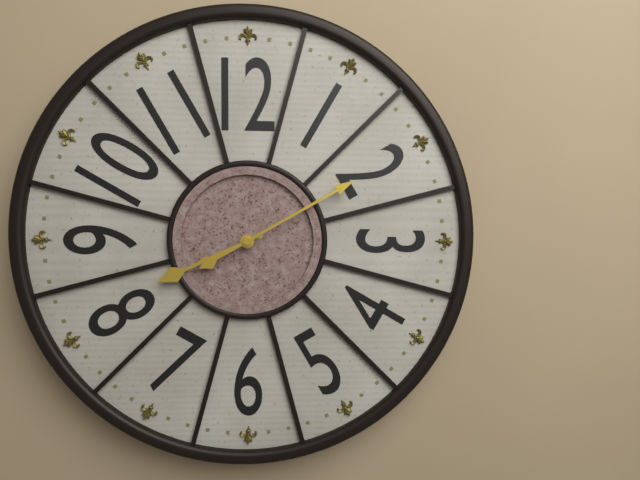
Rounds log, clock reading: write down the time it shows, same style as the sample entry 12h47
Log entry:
8h10
